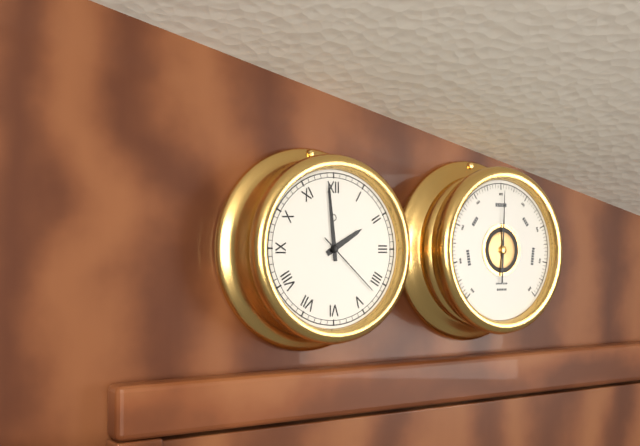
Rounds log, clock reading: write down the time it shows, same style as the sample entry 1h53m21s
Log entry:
1h59m22s
